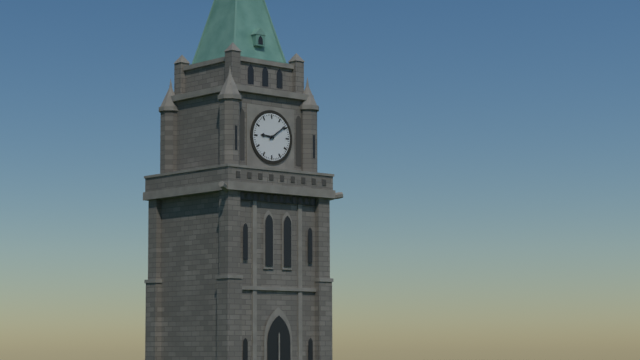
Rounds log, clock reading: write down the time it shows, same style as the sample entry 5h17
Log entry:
9h09
